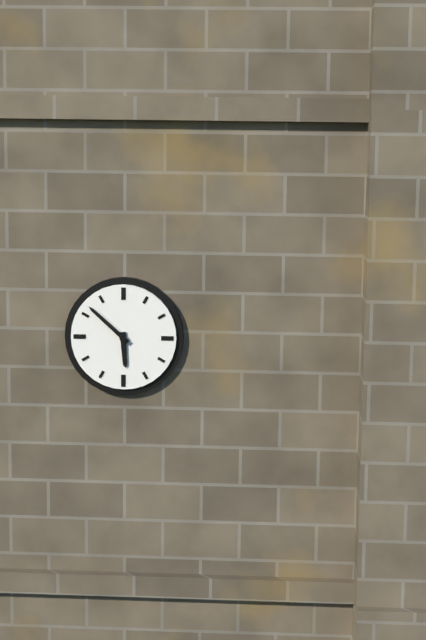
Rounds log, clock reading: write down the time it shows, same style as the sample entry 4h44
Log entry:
5h52
